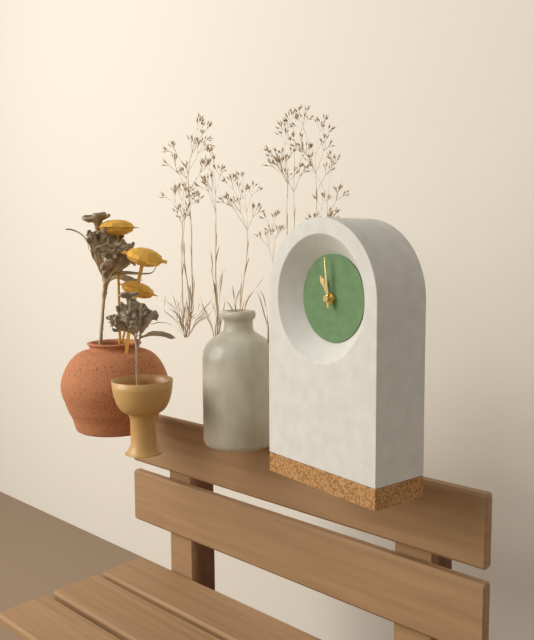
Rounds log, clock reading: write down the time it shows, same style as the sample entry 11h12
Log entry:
10h59
